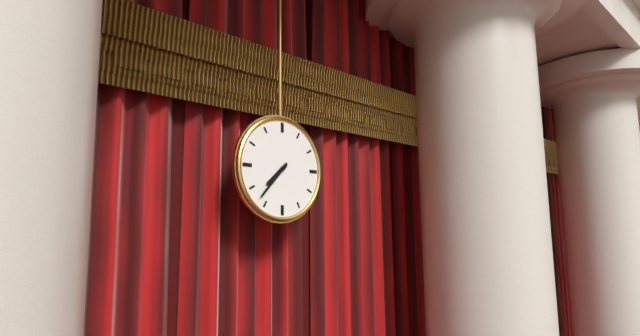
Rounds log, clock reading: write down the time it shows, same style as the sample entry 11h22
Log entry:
7h37
